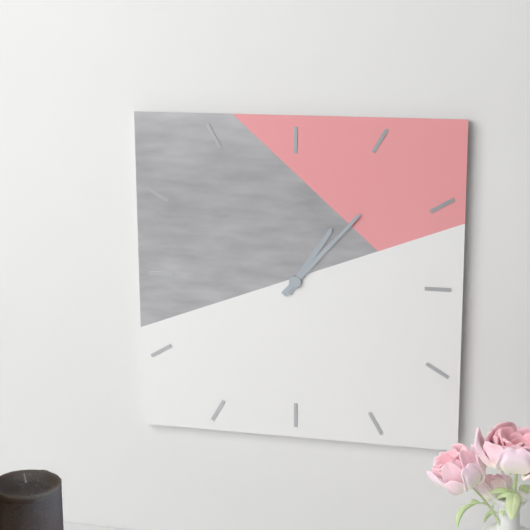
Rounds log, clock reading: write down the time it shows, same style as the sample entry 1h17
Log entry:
1h07
